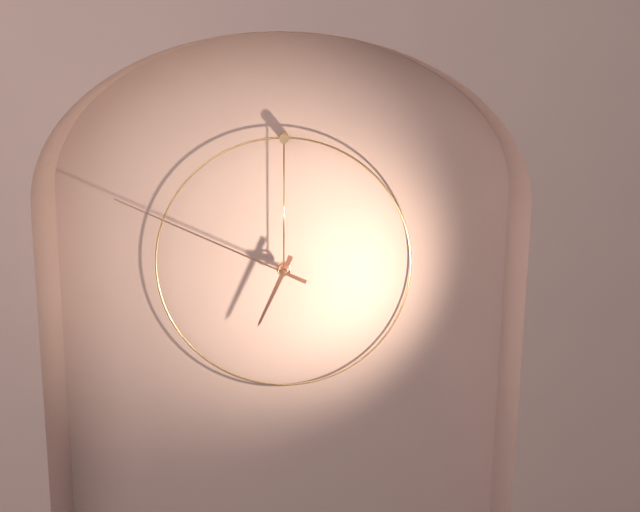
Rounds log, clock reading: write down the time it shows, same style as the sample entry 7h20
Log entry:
6h49
